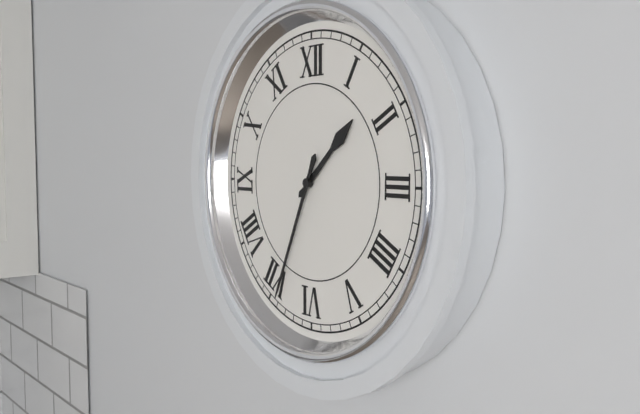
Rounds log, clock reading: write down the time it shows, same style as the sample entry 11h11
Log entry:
1h34
